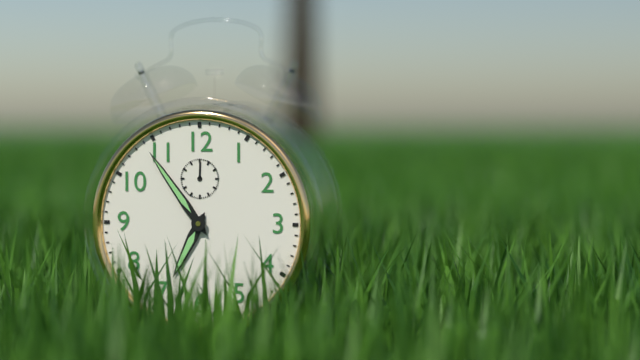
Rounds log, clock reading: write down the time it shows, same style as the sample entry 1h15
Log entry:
6h54
